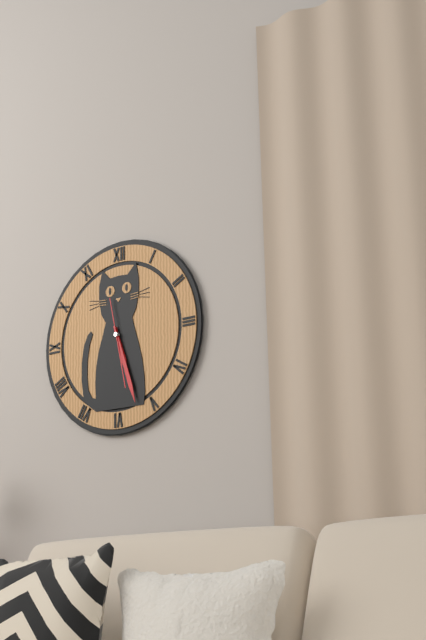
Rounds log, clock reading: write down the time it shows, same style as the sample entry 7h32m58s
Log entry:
5h27m28s
